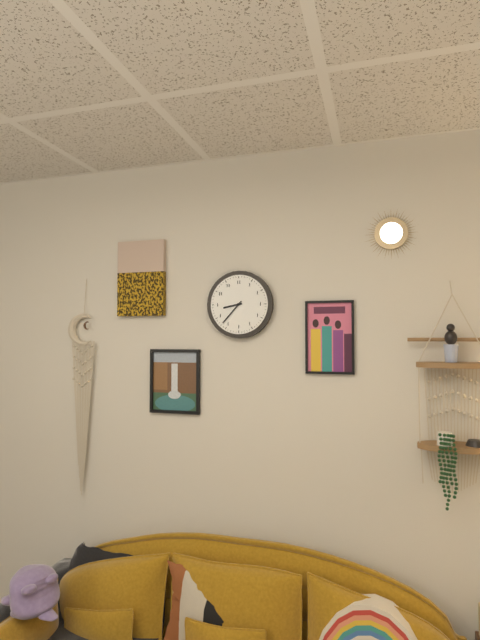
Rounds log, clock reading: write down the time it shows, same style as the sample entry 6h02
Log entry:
8h37
